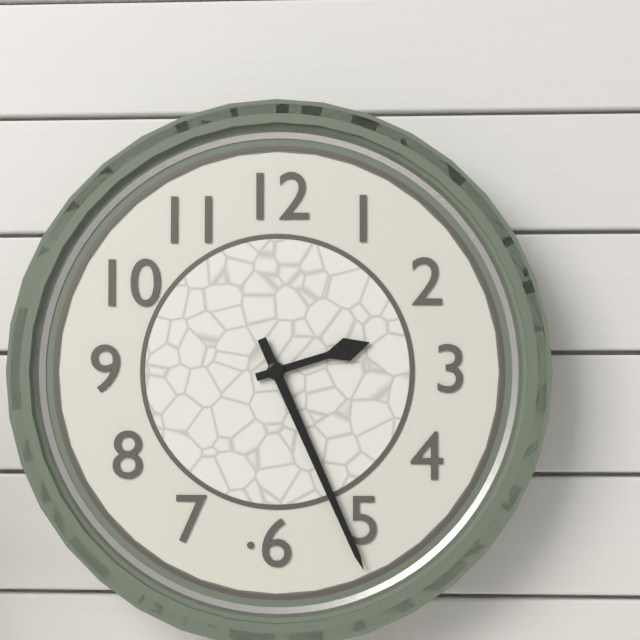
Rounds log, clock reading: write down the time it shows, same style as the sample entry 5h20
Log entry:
2h26
